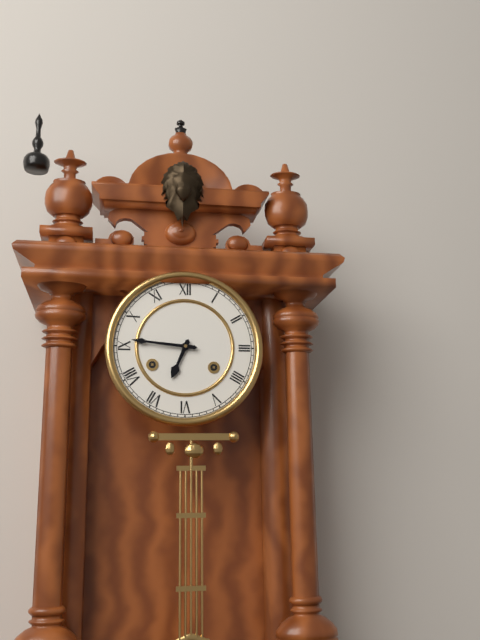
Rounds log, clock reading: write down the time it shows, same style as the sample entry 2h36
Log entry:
6h46
